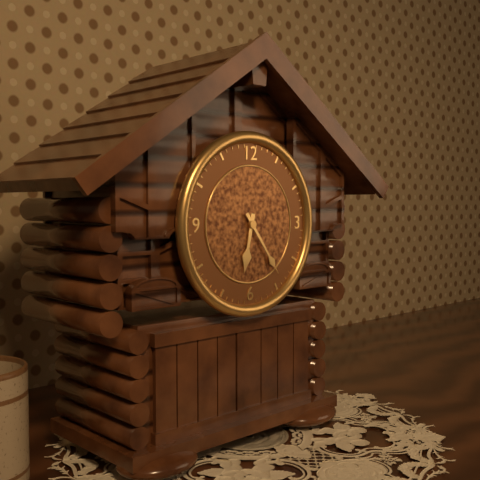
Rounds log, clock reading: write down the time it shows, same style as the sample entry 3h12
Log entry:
6h24
